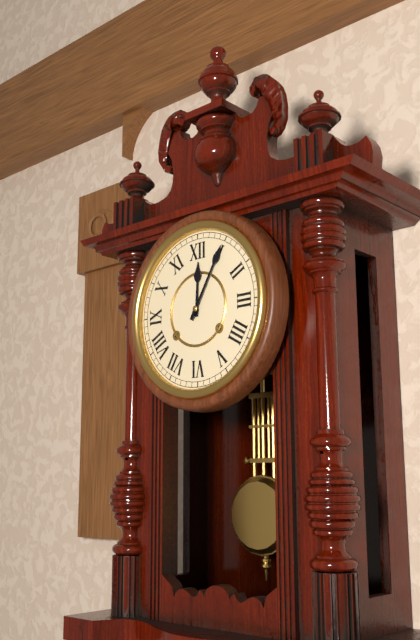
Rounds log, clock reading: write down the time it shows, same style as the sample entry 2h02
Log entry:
12h05
